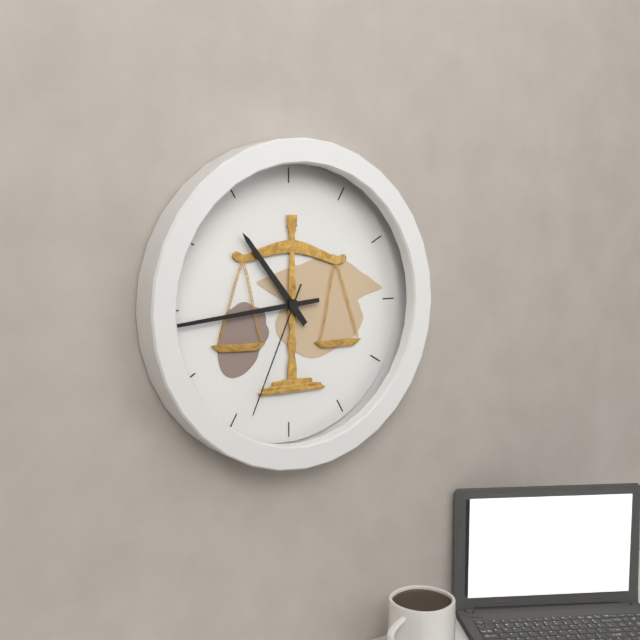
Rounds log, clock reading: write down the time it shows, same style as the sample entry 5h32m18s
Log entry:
10h44m34s
